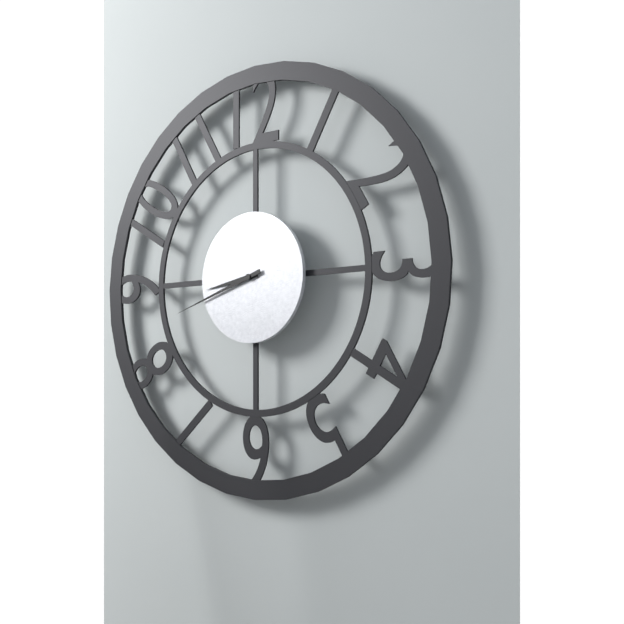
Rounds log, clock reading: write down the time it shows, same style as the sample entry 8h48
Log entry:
8h42
